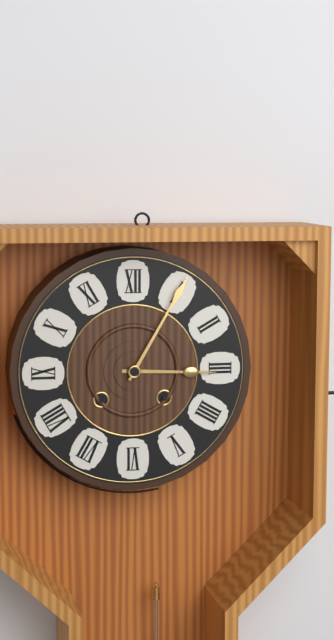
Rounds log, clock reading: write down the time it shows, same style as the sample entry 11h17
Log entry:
3h05
